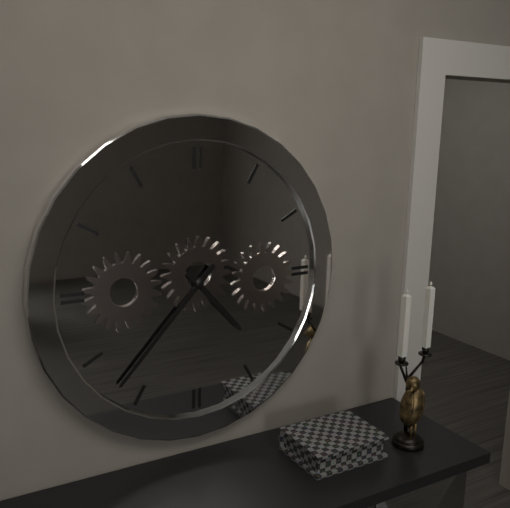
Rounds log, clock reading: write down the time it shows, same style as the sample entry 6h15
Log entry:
4h37
